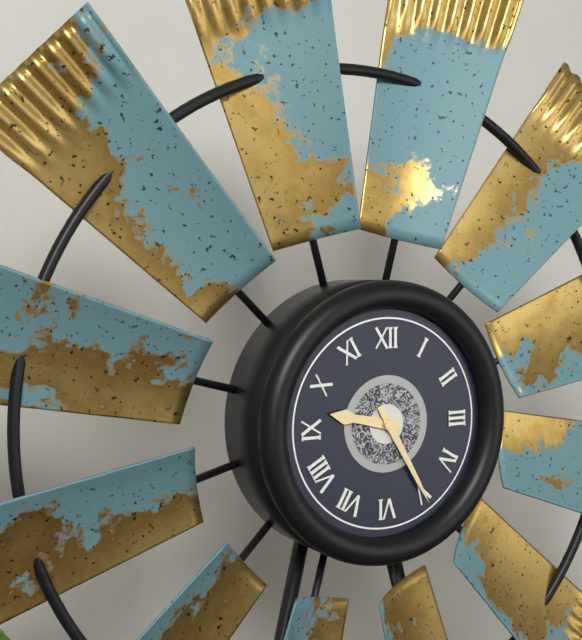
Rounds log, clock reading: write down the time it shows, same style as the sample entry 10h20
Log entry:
9h25
